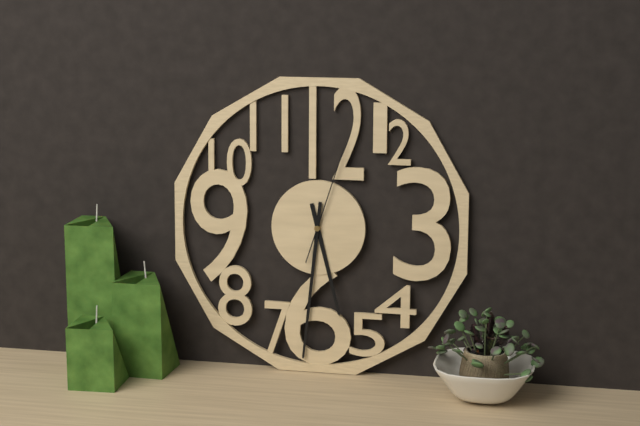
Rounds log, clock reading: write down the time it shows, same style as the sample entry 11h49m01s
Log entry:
5h31m03s
